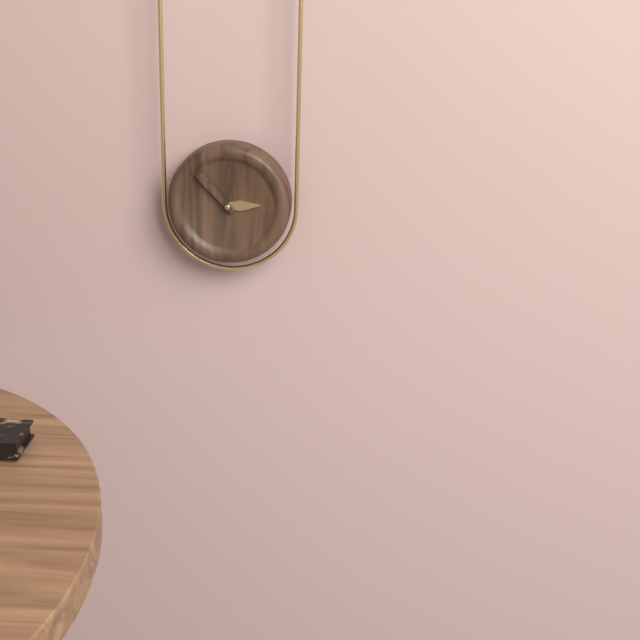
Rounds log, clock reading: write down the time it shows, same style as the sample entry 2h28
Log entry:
2h53
